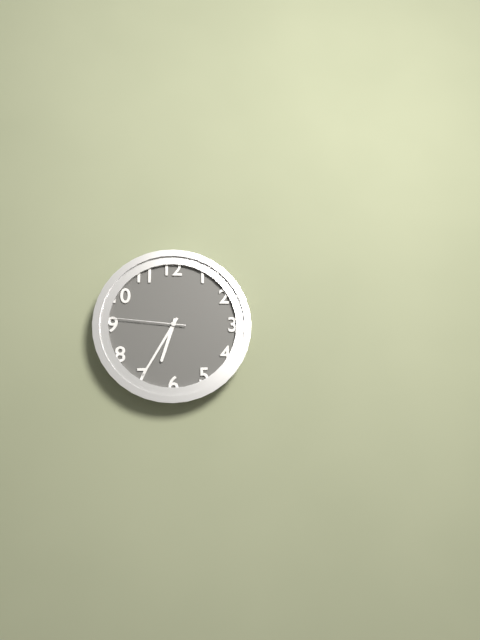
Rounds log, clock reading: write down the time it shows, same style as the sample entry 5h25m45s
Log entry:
6h35m46s
